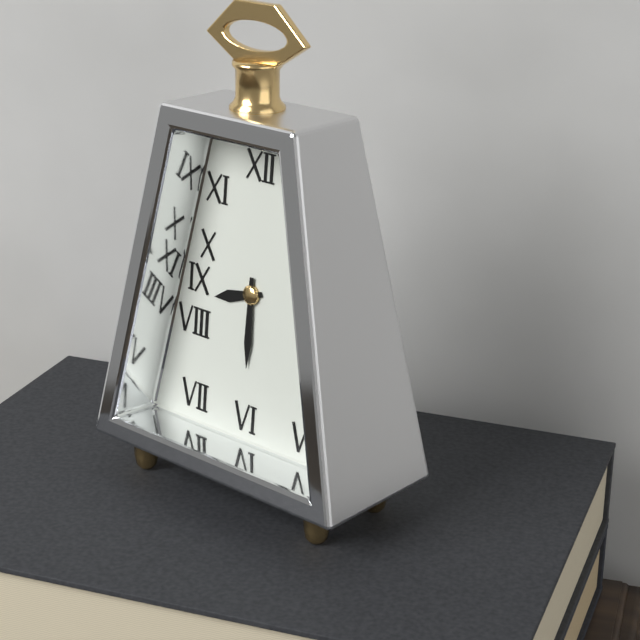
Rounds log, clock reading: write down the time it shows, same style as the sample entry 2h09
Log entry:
8h30
